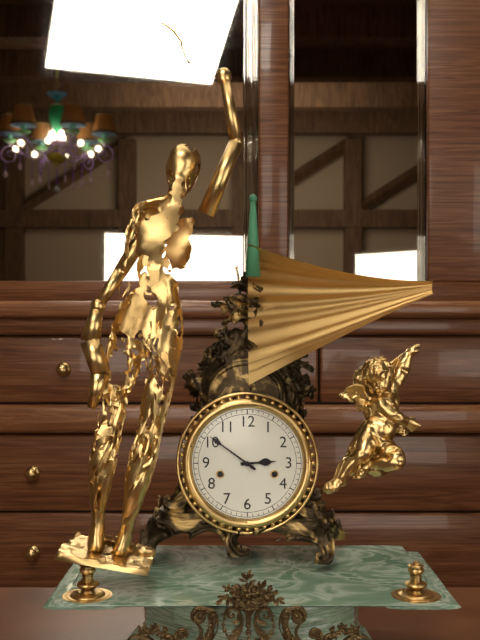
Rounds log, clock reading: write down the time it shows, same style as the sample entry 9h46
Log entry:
2h51
